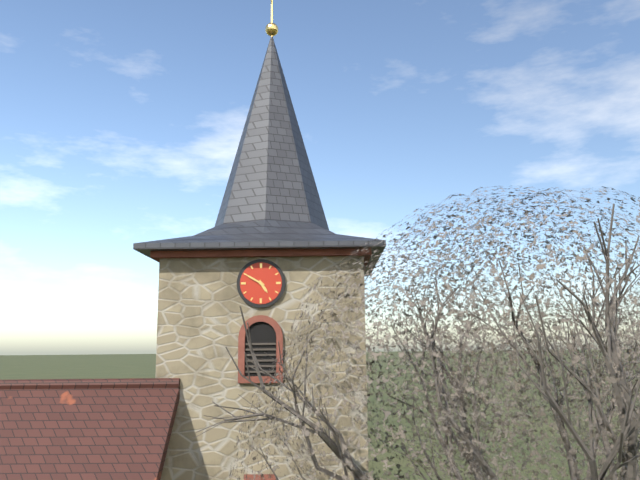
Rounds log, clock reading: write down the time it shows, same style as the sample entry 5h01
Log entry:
4h50
